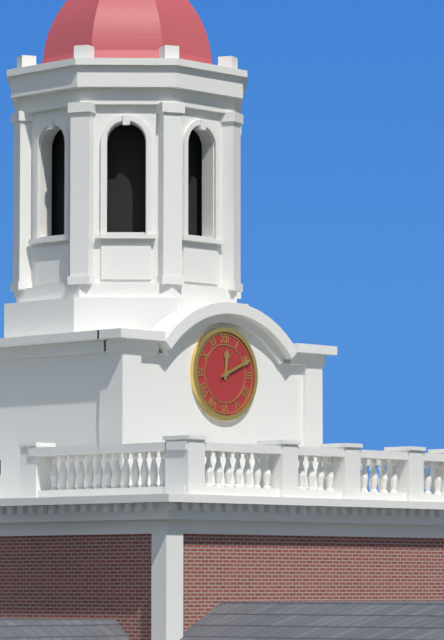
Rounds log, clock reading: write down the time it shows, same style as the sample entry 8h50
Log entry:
12h11
